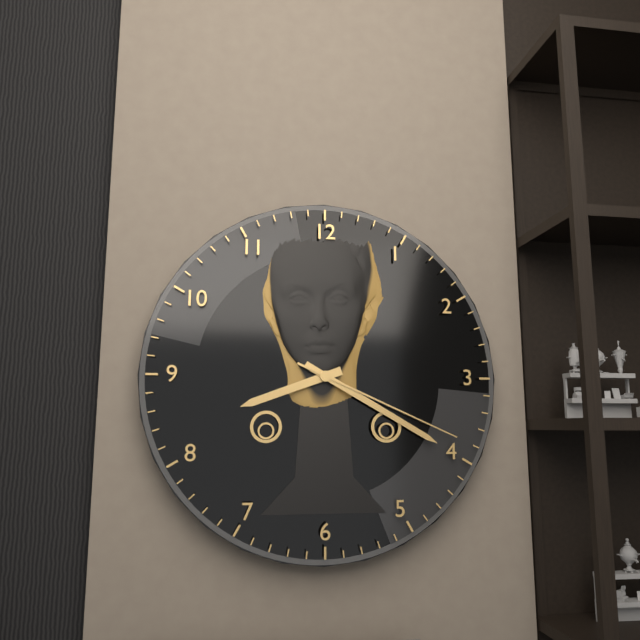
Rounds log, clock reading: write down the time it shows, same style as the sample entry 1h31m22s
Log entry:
8h20m19s
